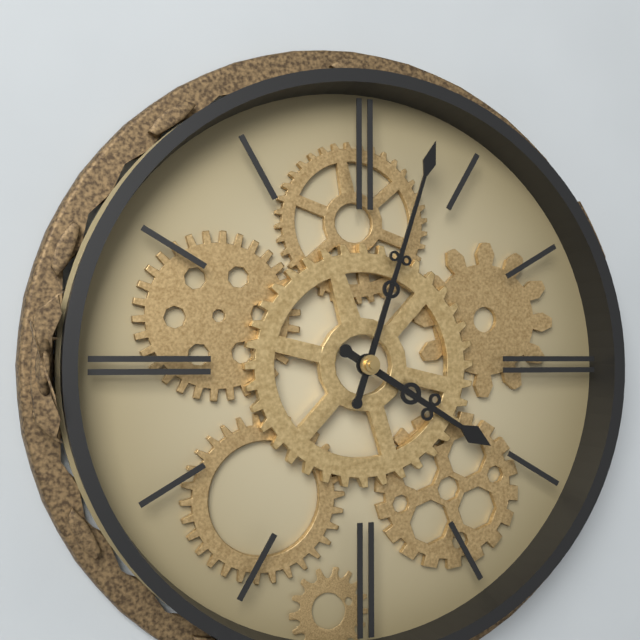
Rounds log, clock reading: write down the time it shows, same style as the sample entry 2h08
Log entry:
4h03
